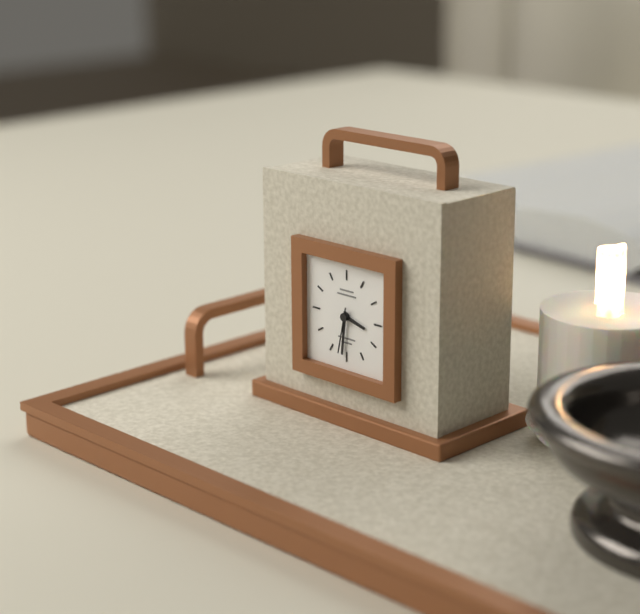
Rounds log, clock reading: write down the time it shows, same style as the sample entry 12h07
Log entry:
3h31
